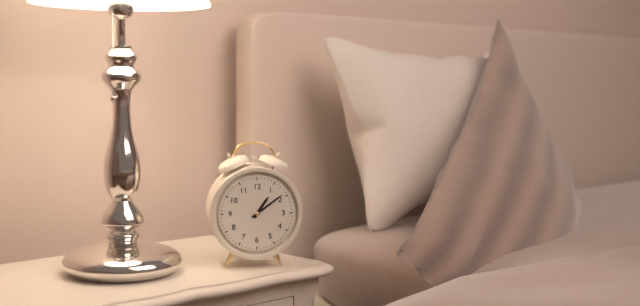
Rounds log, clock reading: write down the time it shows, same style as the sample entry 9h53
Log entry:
1h09
